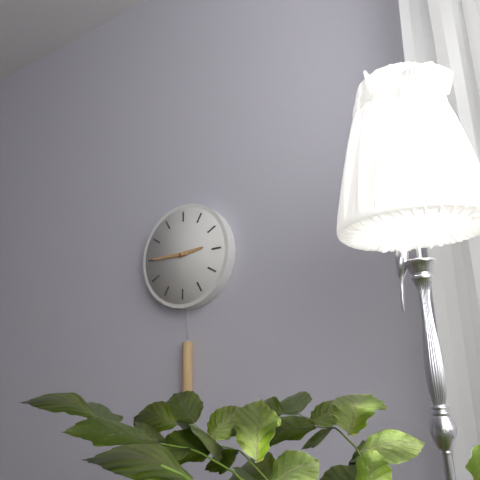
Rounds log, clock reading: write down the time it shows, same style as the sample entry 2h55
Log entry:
2h45
